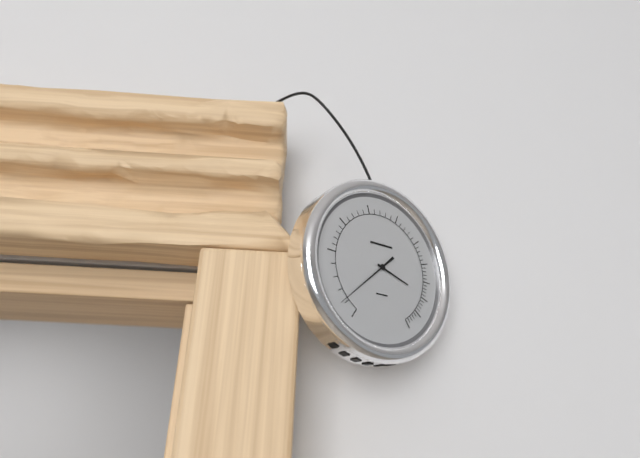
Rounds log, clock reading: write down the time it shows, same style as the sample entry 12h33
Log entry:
3h38
